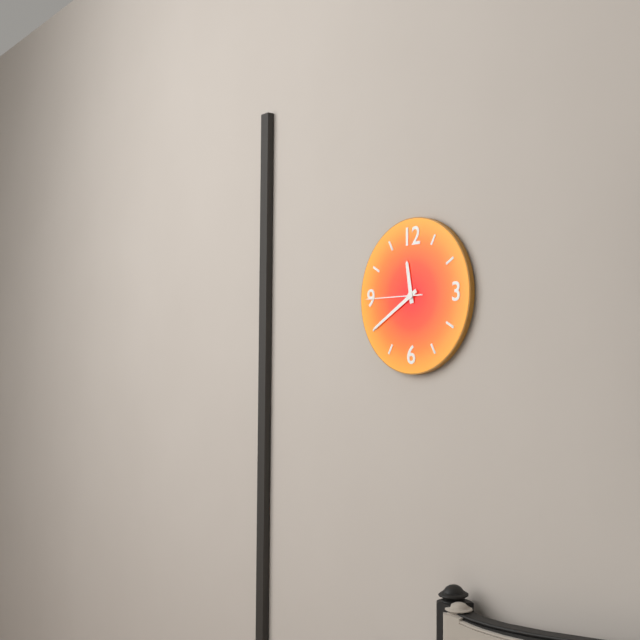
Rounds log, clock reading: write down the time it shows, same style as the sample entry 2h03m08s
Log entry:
11h40m45s
